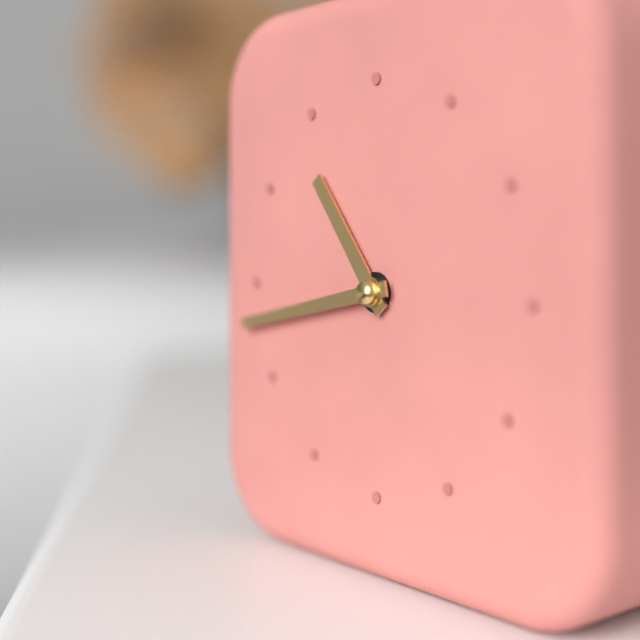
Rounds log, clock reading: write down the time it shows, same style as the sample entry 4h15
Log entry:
10h43
